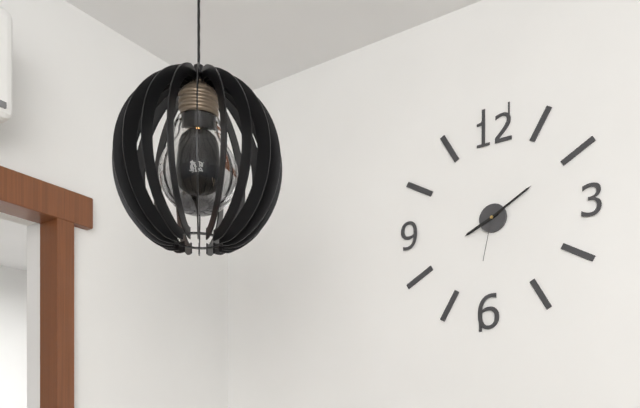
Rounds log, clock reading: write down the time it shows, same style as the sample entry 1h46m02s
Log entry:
8h10m32s
